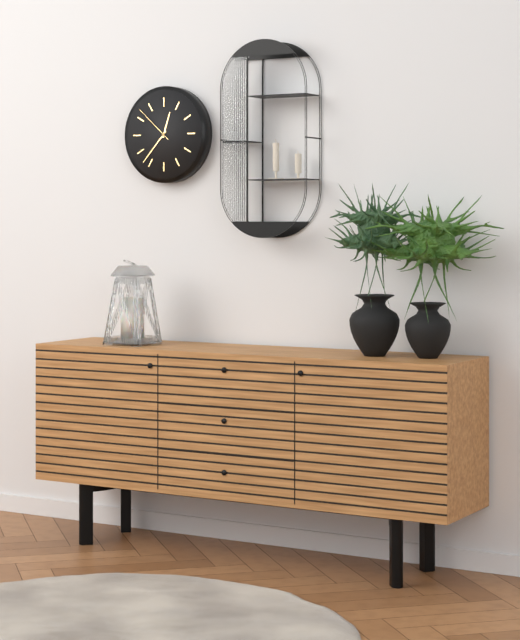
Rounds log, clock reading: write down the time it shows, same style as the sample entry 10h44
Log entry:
12h37
